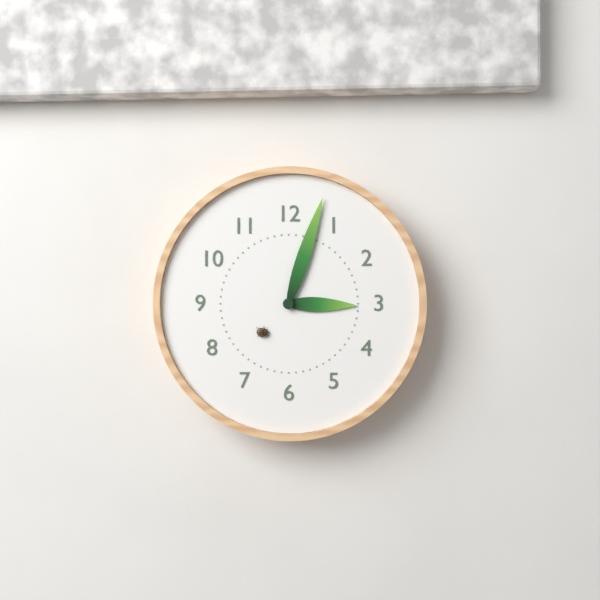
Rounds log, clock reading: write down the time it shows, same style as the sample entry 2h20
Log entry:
3h03
